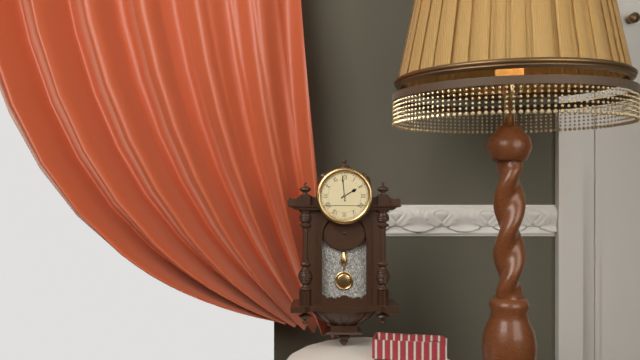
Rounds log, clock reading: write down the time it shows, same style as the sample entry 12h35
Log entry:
1h59
